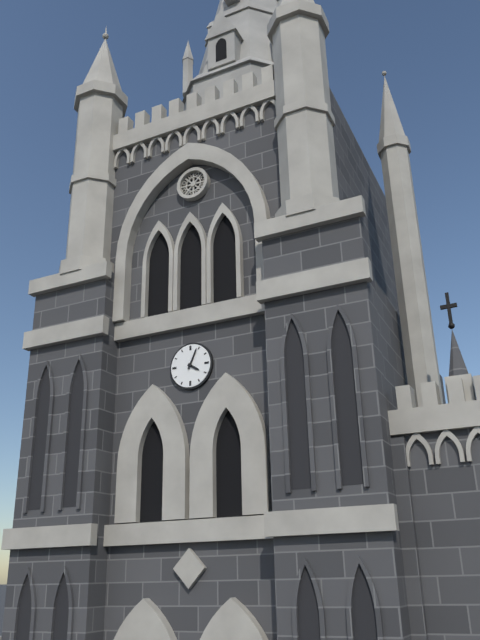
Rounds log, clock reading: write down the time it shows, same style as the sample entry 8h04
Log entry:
4h04
